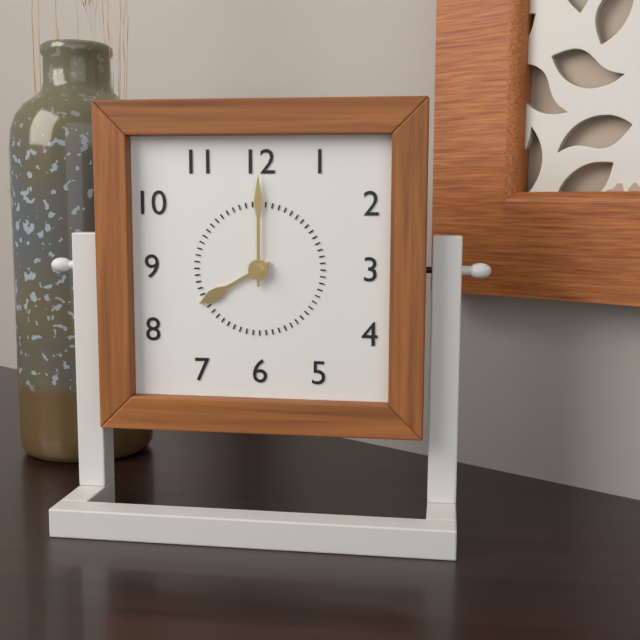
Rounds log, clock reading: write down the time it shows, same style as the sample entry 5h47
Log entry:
8h00
